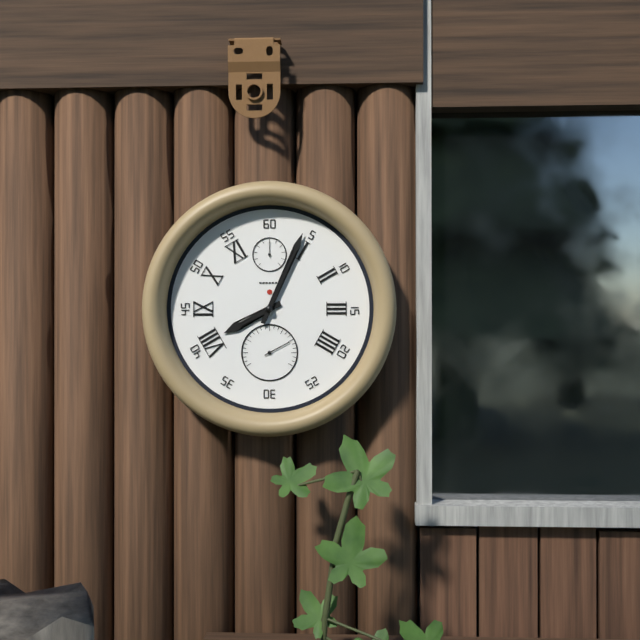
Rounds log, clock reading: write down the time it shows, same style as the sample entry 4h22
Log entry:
8h04
